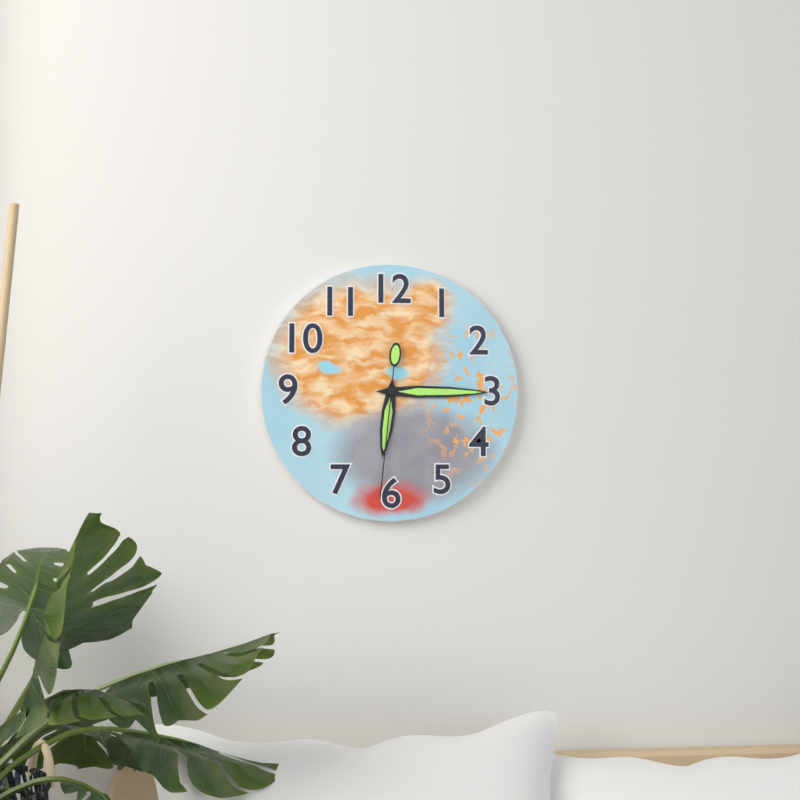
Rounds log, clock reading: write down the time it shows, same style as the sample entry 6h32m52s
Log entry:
6h15m31s
